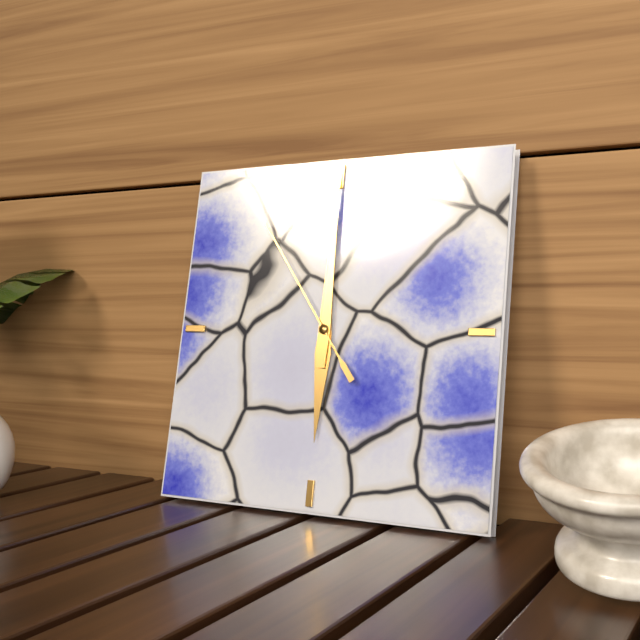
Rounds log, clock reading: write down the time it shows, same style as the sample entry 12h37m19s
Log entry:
6h00m54s
